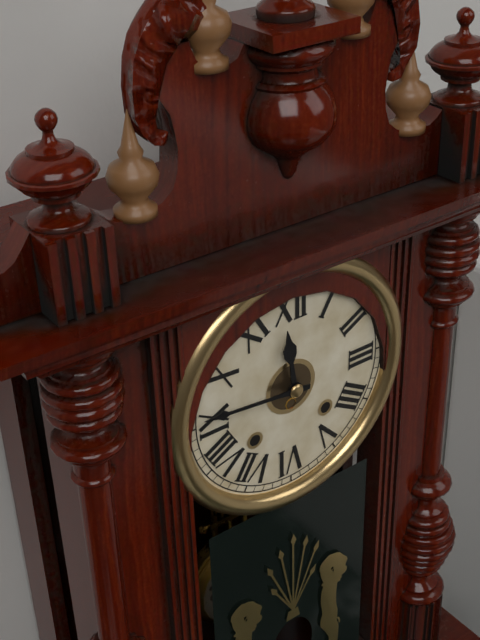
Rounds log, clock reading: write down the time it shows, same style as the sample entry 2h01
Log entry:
11h46
